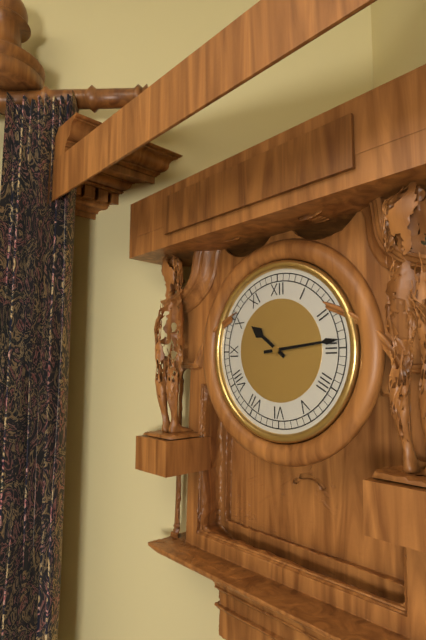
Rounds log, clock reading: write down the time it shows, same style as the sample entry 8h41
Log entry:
10h14
